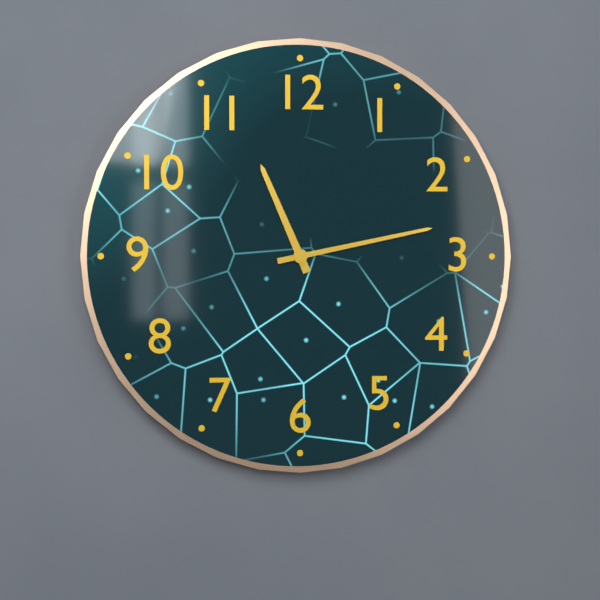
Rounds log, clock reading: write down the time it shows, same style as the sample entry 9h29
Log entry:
11h13
